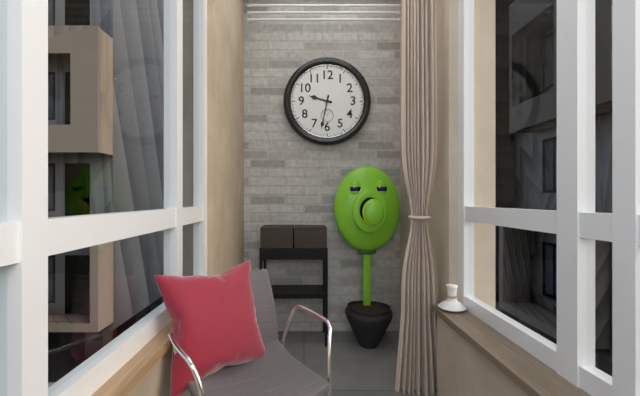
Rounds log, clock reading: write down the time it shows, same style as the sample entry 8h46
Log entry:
9h32
